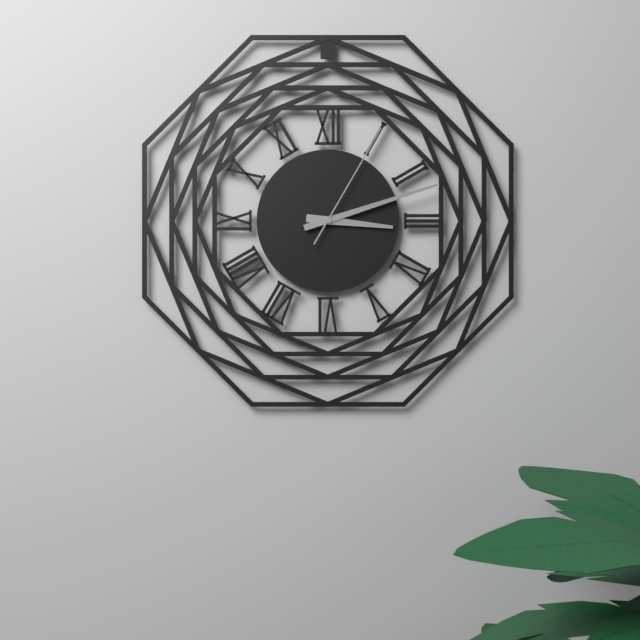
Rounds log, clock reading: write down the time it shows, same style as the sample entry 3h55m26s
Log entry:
3h12m05s
